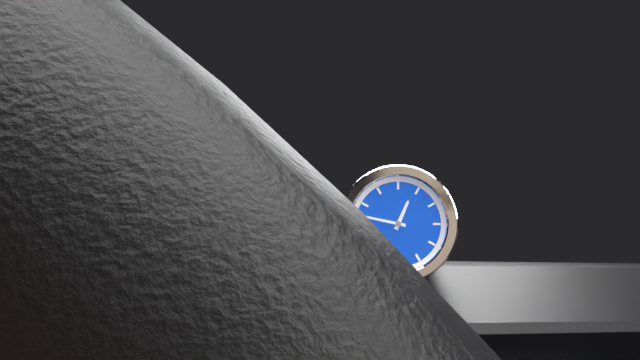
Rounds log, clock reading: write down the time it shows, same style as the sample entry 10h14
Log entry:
12h47
